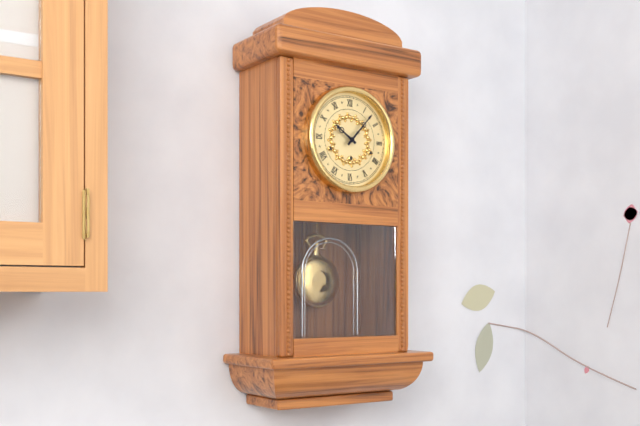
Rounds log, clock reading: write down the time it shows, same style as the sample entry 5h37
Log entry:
10h07
